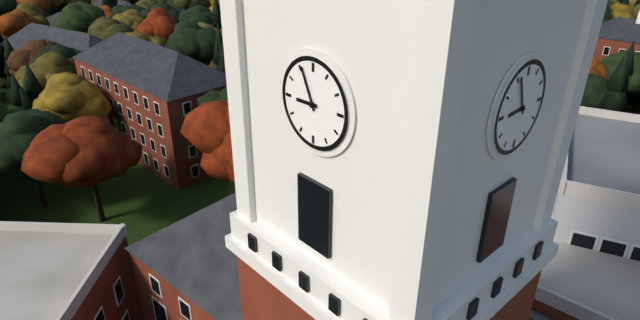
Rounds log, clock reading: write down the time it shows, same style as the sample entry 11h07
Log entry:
8h56
